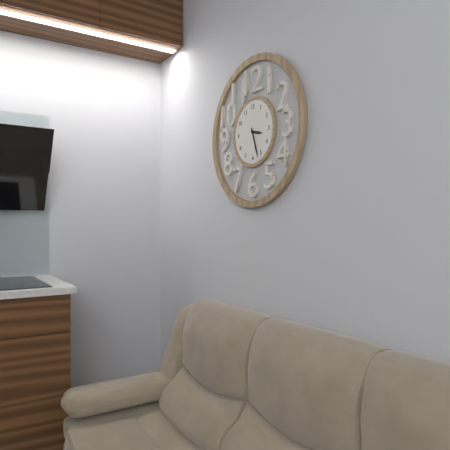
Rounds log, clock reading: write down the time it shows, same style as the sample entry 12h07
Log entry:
3h27
